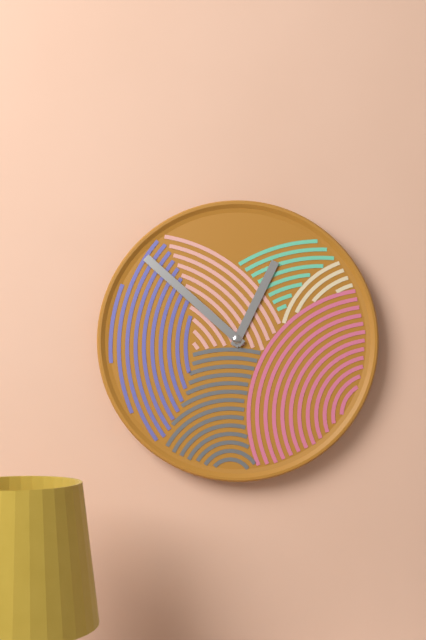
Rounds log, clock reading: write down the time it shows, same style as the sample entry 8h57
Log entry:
12h52
